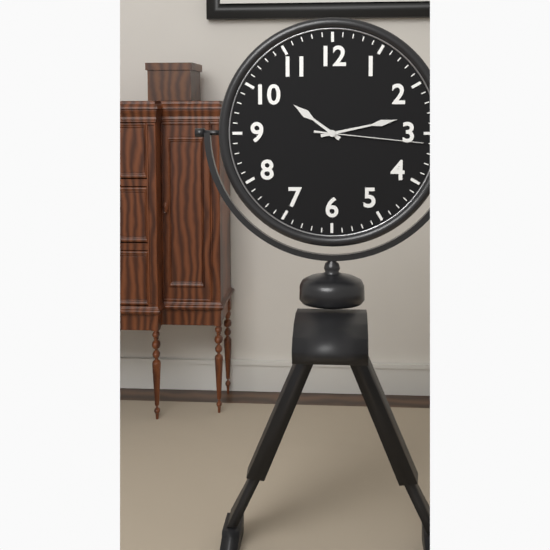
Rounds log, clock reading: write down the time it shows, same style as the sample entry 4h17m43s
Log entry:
10h13m16s
